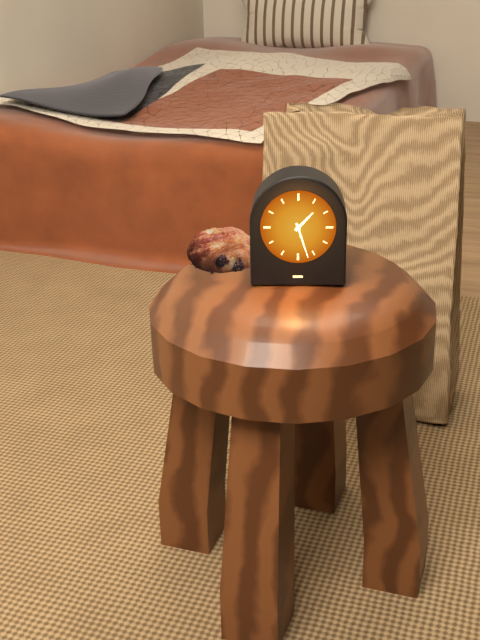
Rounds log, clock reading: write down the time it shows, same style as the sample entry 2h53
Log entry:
1h27
